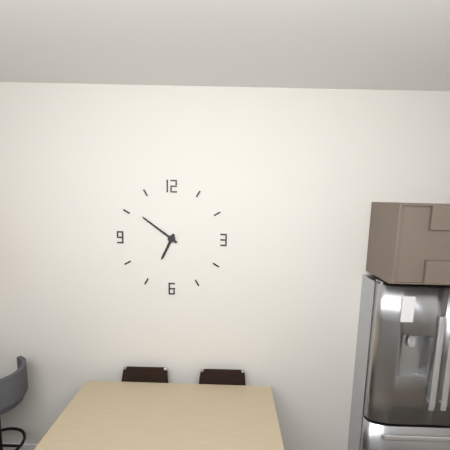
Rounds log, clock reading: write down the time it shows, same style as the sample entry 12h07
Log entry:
6h51
